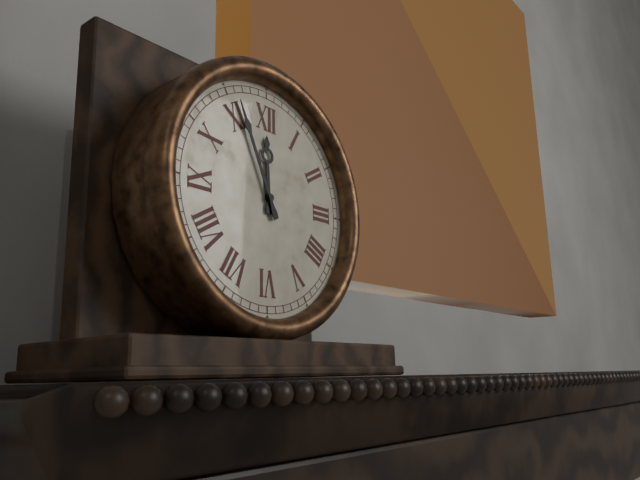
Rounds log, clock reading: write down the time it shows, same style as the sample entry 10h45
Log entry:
11h56
